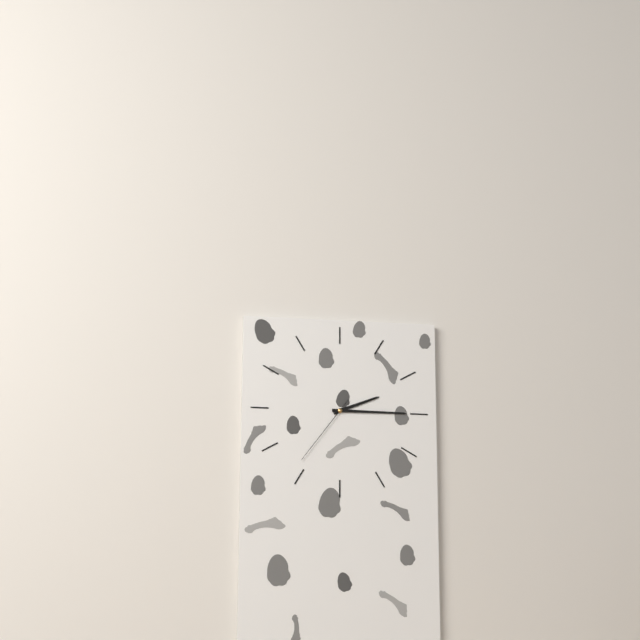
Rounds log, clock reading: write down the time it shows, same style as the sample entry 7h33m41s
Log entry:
2h15m36s
